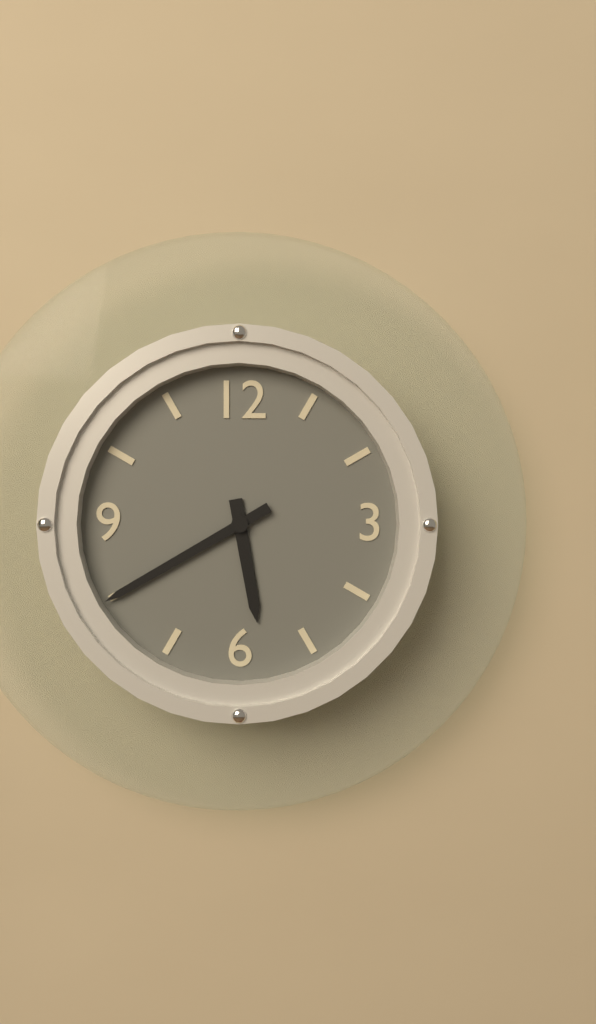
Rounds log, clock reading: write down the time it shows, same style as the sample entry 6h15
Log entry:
5h40
